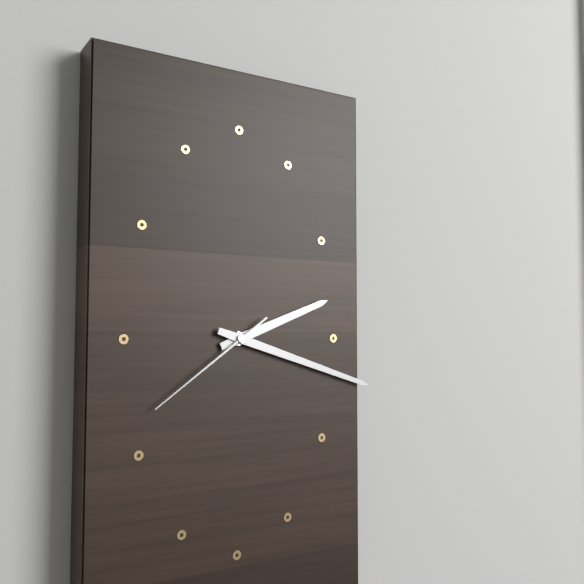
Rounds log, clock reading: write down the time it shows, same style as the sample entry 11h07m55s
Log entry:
2h18m39s
